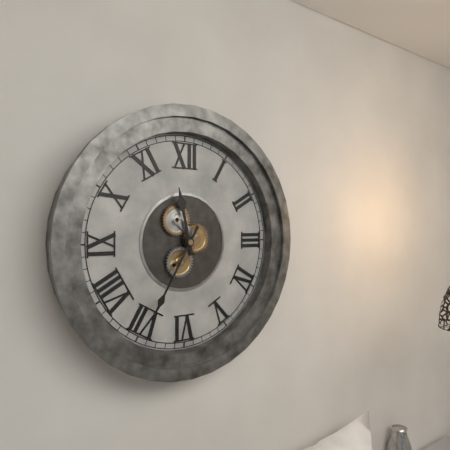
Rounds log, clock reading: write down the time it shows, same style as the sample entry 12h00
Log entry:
11h35
